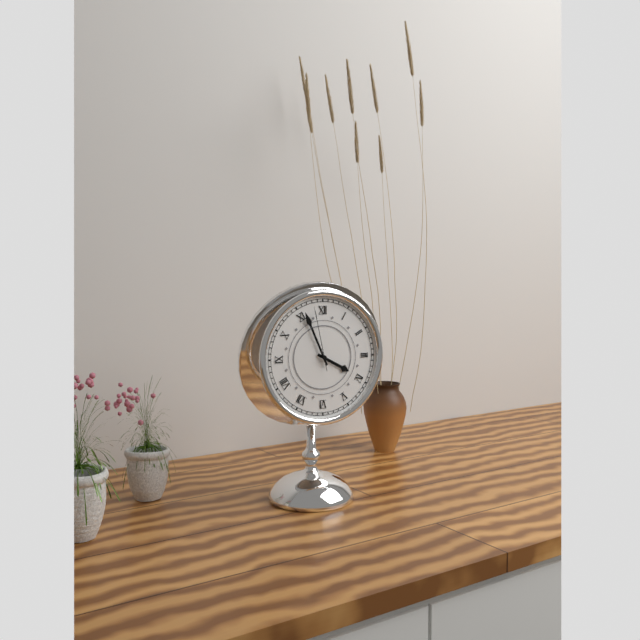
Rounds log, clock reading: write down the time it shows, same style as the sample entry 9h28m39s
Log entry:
3h56m58s
